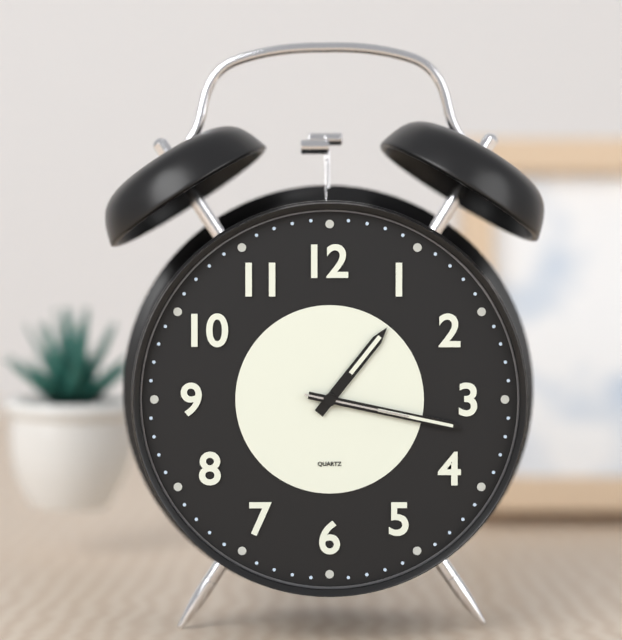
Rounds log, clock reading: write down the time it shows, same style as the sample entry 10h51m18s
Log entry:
1h17m17s
